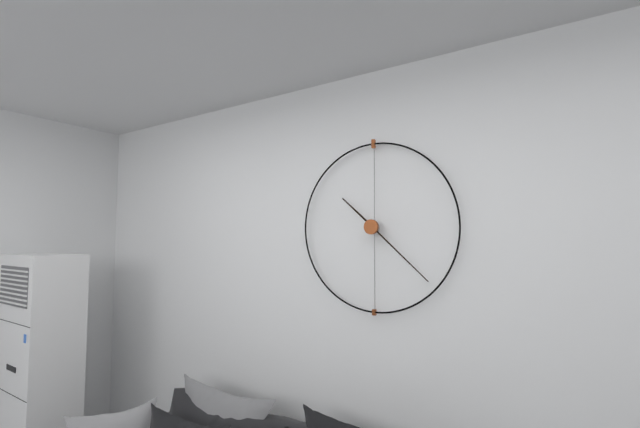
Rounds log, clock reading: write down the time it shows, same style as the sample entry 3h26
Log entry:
10h22
